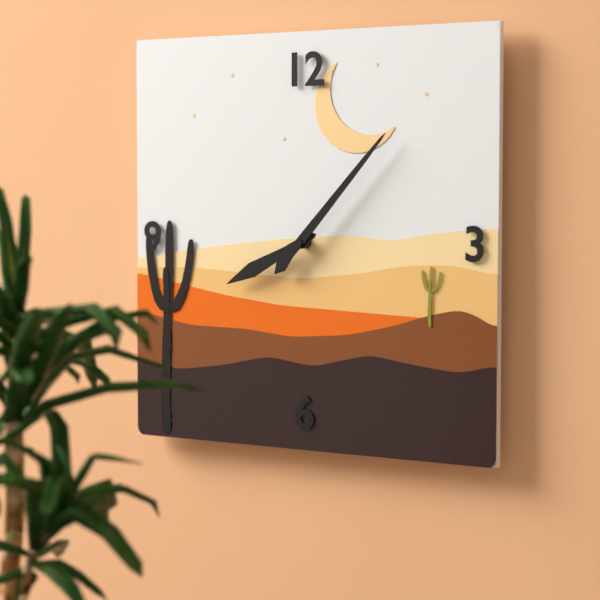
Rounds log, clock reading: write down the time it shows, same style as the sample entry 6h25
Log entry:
8h07
